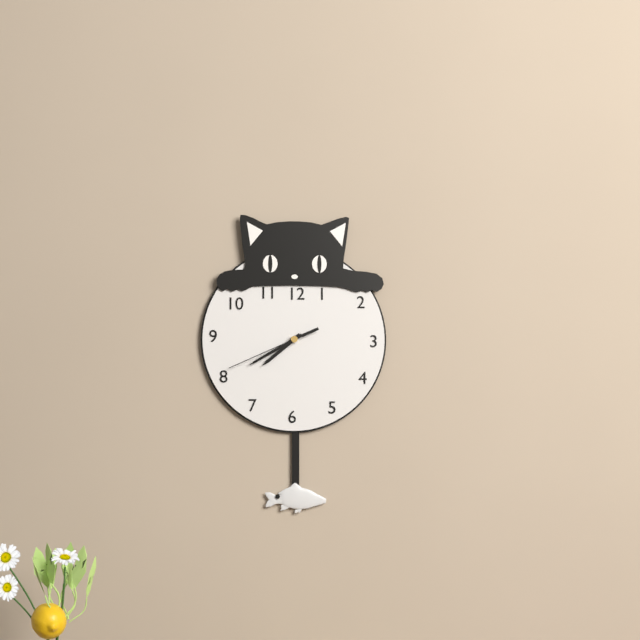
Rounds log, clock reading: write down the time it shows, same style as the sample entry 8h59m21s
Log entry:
7h40m41s
